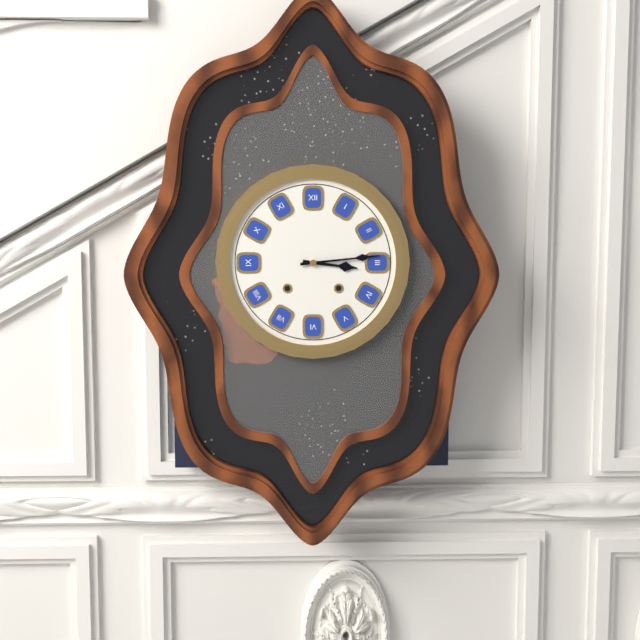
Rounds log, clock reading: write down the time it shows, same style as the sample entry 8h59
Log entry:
3h14
